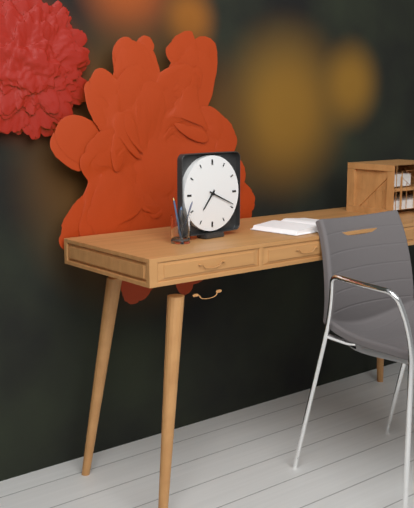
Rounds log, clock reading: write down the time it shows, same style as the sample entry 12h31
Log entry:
7h19
